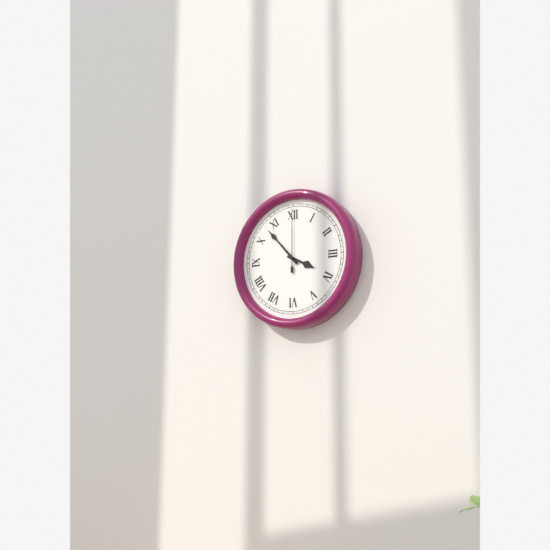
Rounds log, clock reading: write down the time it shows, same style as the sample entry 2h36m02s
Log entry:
3h53m00s
